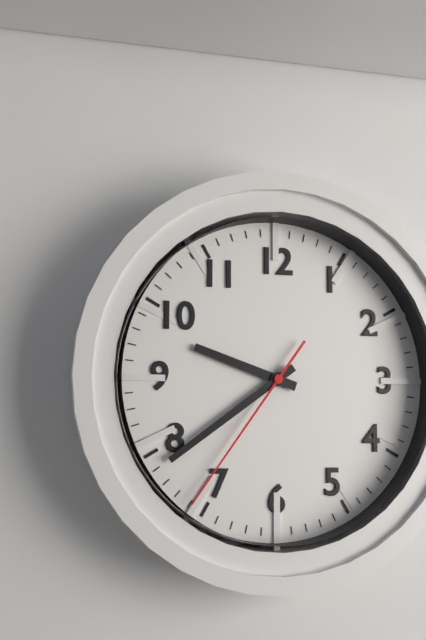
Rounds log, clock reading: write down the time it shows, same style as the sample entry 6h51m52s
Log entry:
9h39m36s
